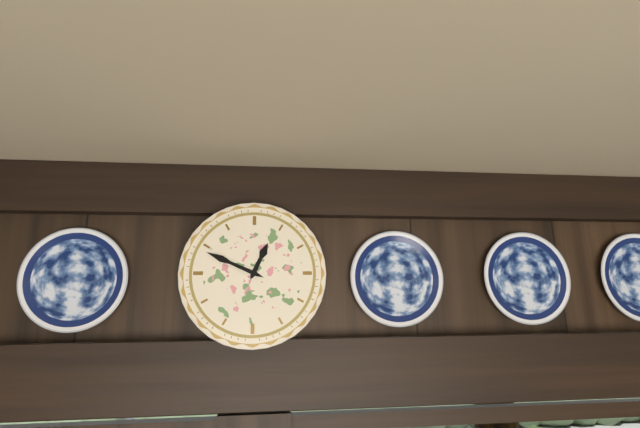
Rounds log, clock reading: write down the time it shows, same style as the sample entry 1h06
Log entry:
12h49
